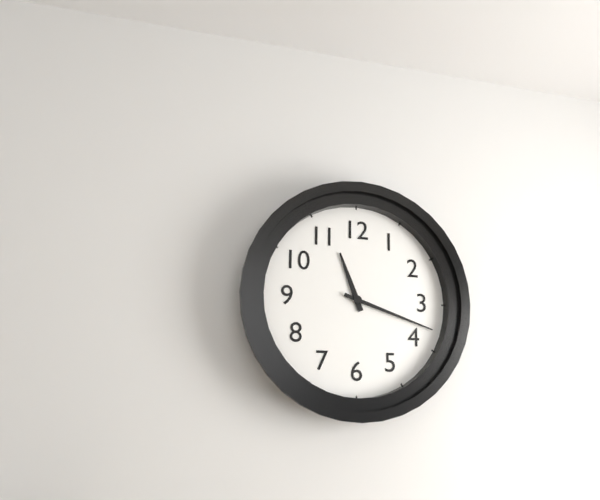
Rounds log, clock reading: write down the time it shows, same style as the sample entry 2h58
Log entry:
11h18
